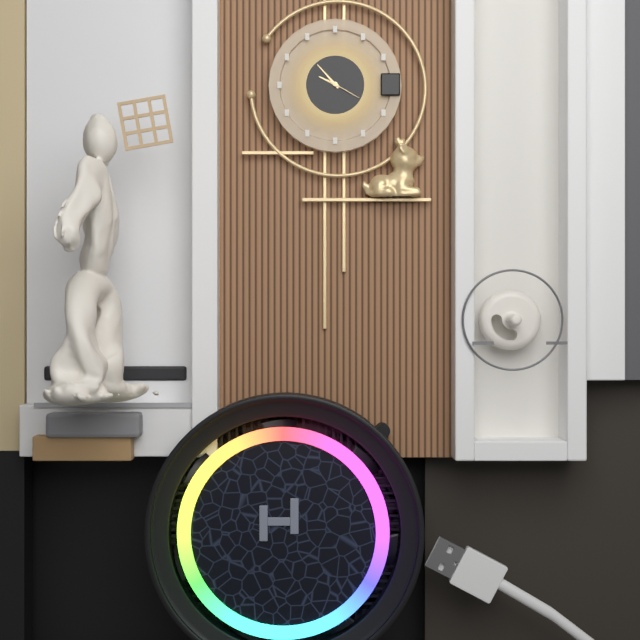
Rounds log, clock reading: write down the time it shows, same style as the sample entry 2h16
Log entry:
9h53
